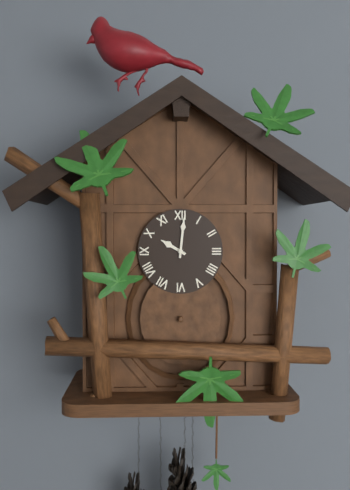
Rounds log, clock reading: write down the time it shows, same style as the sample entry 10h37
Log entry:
10h01
